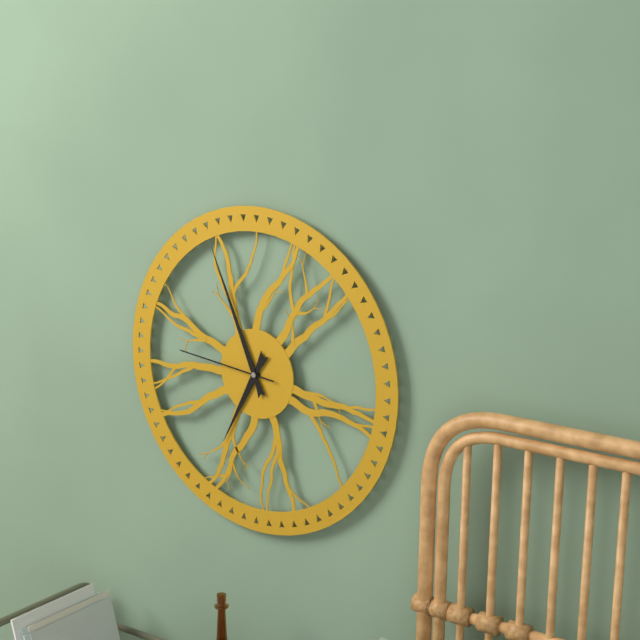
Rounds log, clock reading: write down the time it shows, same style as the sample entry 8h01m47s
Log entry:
6h56m46s
